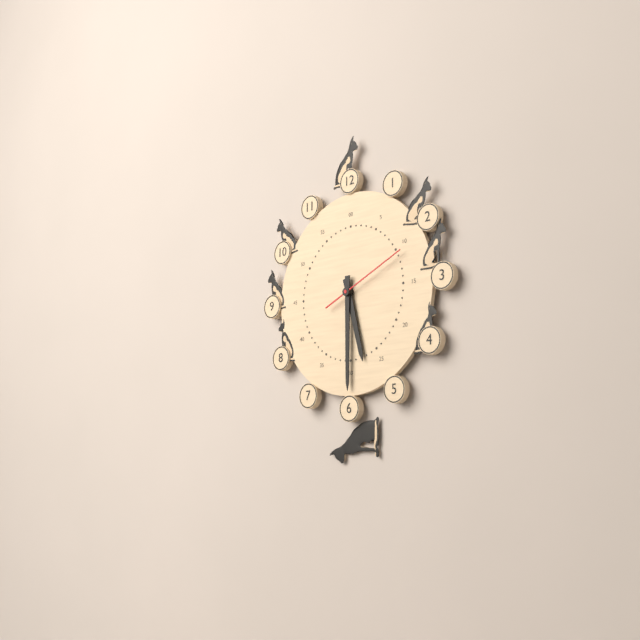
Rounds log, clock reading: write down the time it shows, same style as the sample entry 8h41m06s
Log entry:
5h30m11s
